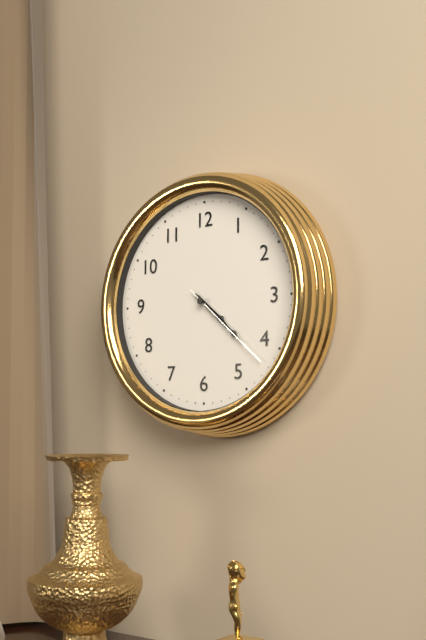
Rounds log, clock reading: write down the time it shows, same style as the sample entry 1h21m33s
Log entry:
4h22m22s
